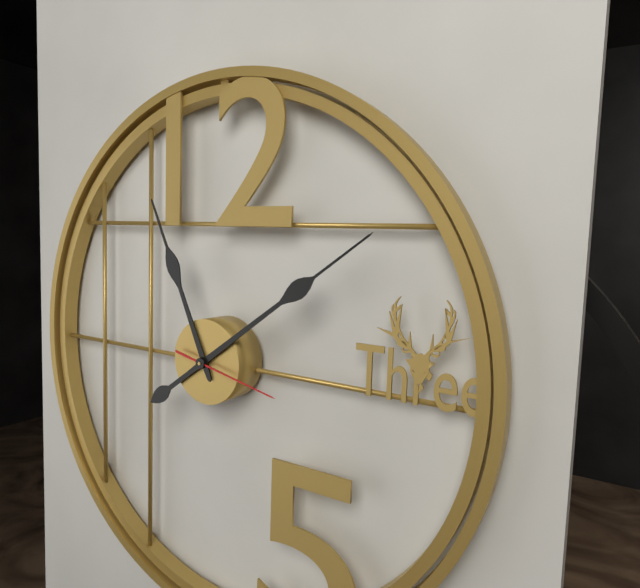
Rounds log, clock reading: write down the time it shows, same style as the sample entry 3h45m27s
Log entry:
11h09m17s
